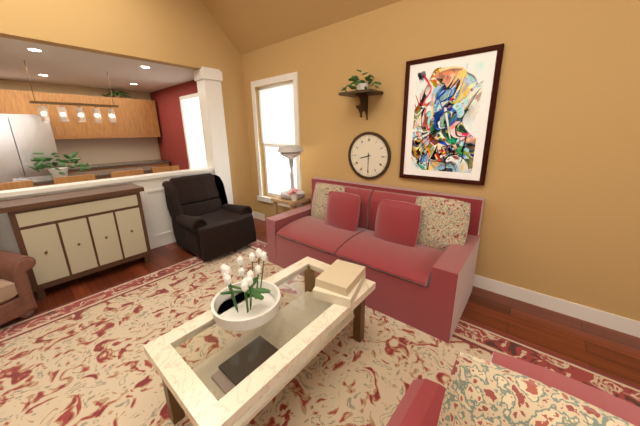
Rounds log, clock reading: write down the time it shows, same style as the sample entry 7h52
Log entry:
8h30
